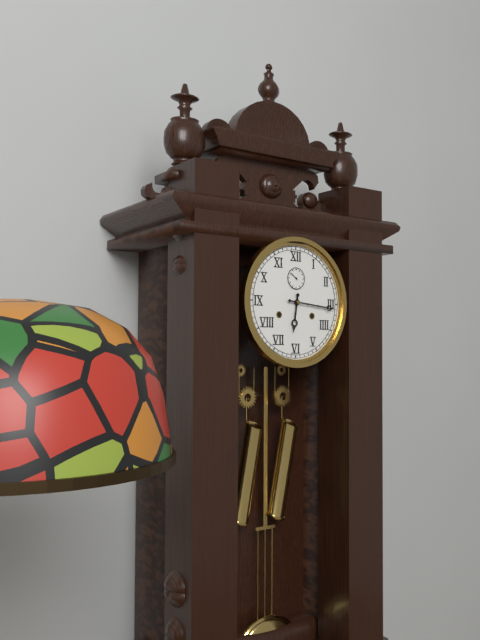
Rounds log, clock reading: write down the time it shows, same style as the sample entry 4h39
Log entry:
6h16
